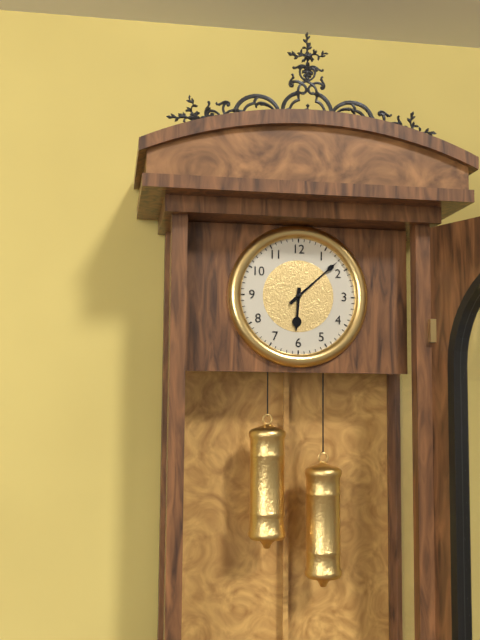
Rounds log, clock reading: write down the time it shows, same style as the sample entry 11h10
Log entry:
6h08
